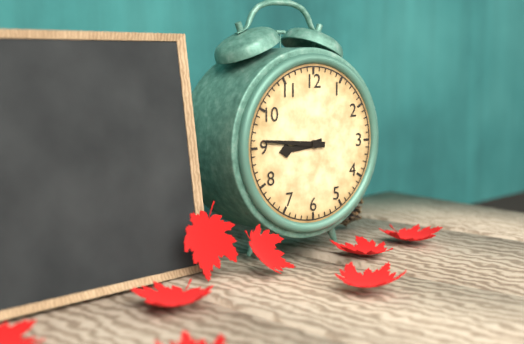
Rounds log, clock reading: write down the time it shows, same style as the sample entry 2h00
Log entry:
8h46
